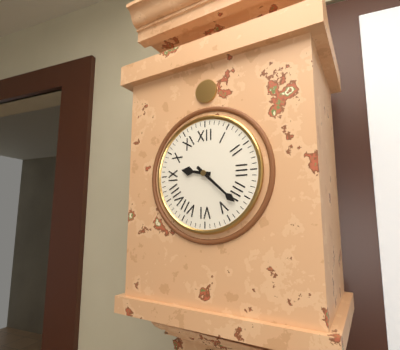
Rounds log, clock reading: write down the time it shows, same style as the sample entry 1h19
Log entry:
9h22
